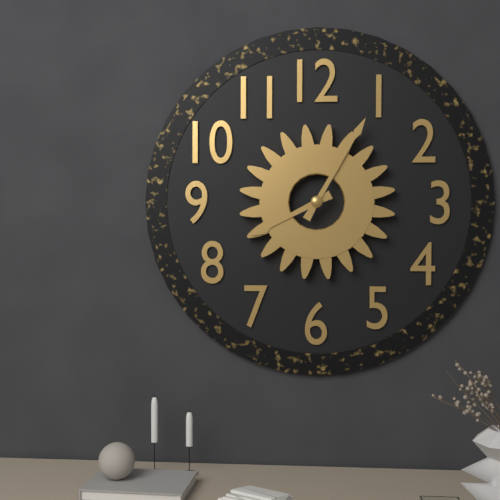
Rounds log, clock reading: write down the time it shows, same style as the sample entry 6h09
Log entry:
8h05
